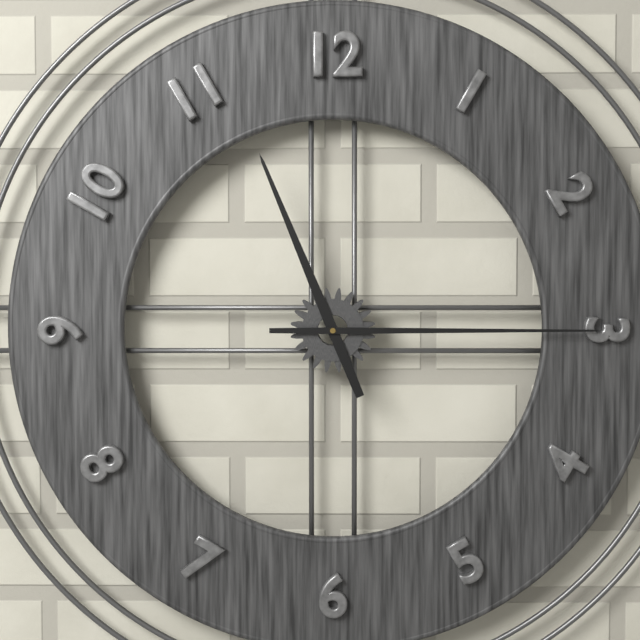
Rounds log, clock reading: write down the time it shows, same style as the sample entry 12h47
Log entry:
11h15
